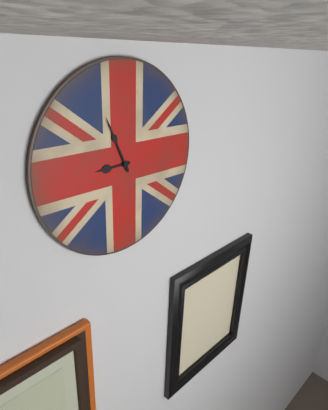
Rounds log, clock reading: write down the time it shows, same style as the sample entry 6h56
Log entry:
8h56
